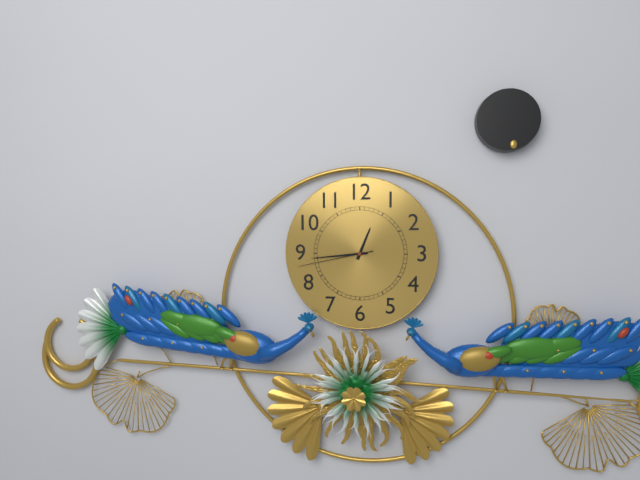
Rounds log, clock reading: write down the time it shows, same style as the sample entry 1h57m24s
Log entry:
12h44m43s
